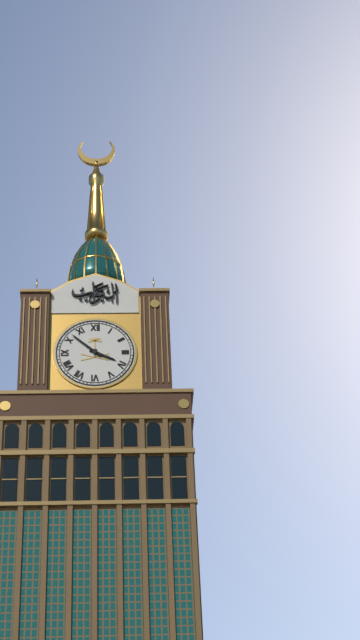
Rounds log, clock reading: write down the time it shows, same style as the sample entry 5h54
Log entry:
3h52
